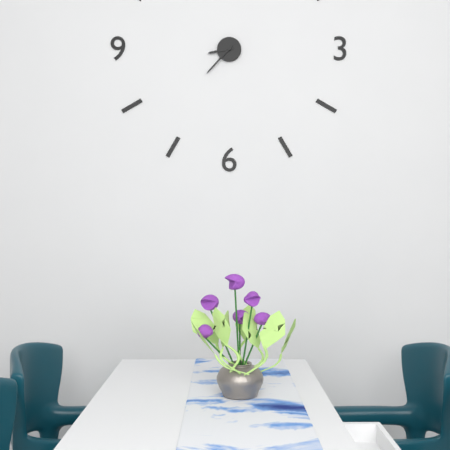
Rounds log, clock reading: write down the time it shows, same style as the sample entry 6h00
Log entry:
8h37
